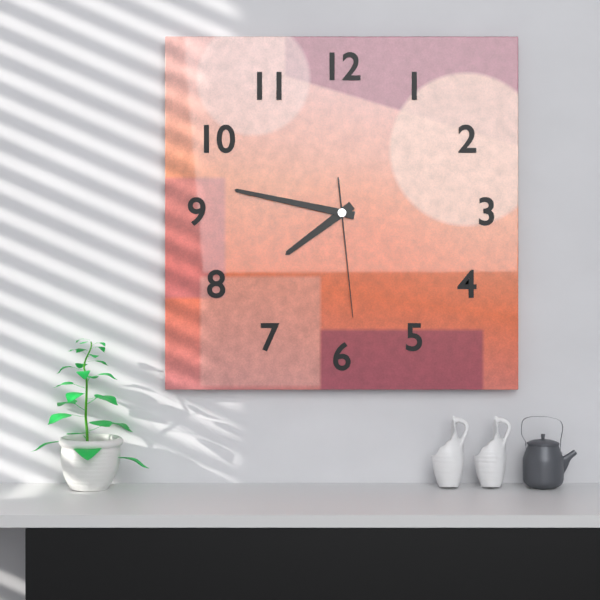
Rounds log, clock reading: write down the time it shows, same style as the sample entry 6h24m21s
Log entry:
7h47m29s
